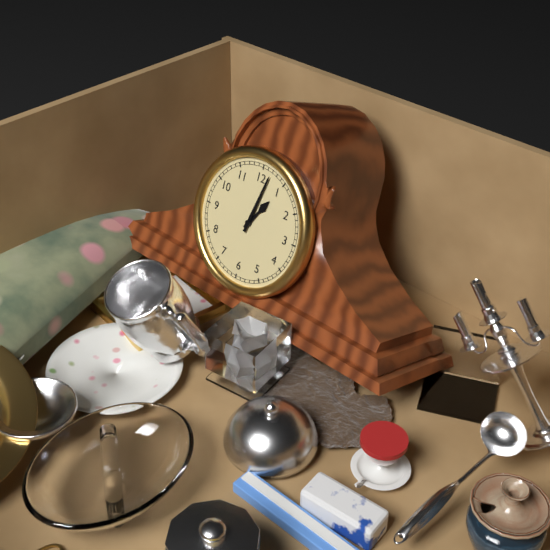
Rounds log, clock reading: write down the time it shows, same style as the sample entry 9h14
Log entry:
1h02
